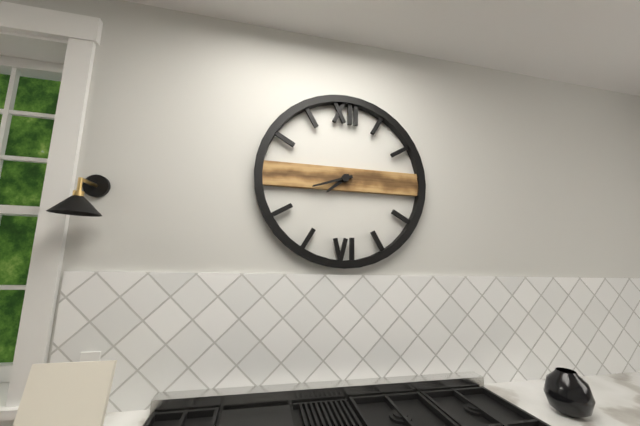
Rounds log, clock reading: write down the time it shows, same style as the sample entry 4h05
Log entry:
7h42
